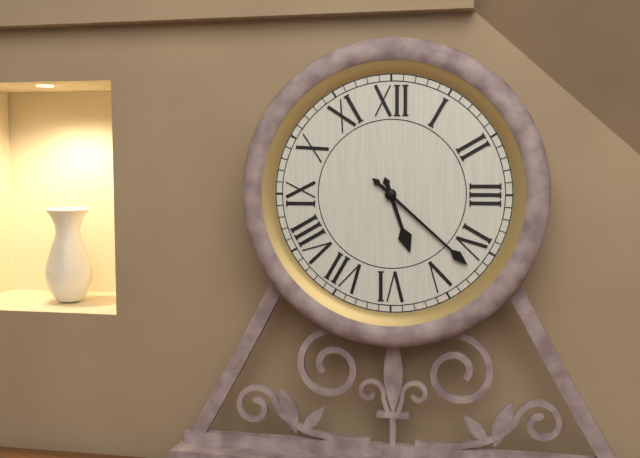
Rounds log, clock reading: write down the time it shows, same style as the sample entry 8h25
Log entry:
5h22
